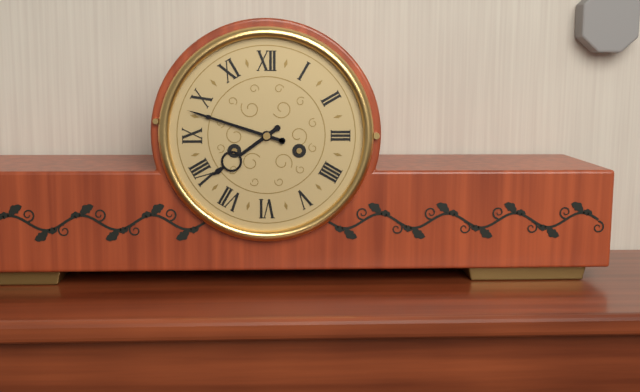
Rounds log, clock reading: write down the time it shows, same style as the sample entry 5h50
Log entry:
7h48
